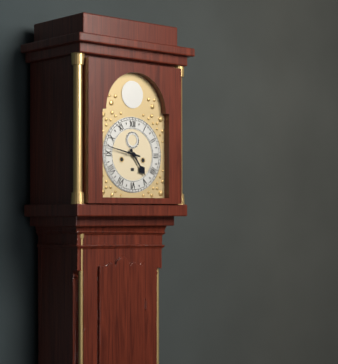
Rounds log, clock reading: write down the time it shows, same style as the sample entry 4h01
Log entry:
4h47
